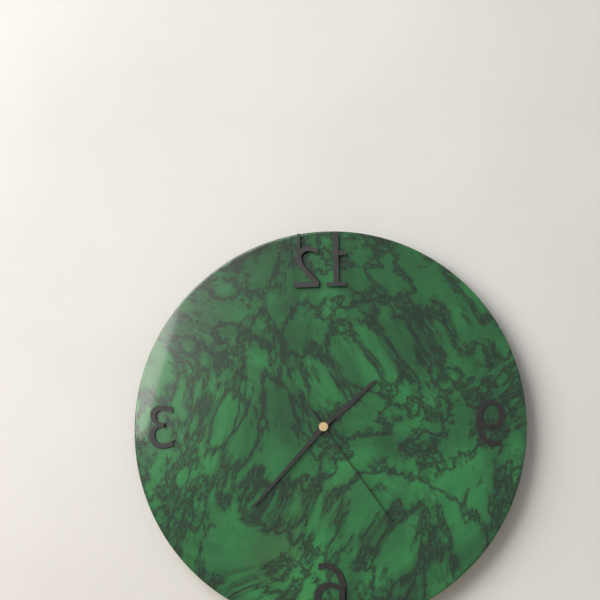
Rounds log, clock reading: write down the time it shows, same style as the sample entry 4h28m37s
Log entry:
1h37m24s
